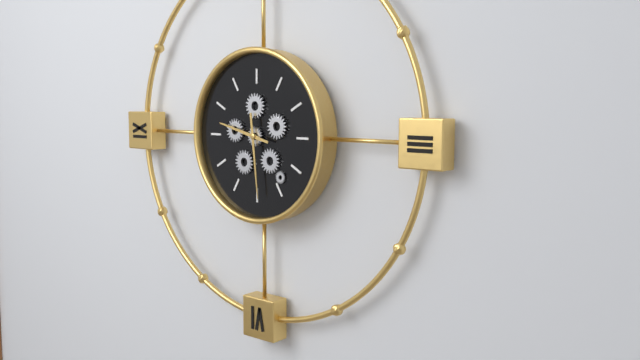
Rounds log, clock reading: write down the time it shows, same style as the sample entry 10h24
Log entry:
9h29
